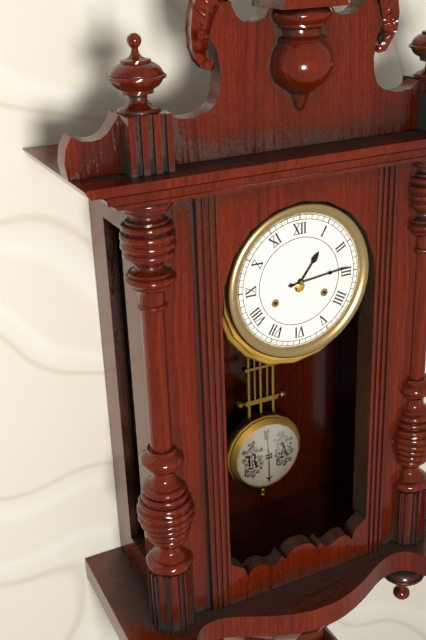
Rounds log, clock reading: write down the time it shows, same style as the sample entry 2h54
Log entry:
1h14
